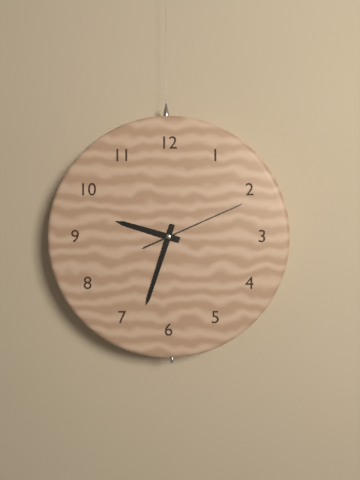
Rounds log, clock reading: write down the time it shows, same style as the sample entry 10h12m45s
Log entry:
9h33m11s
